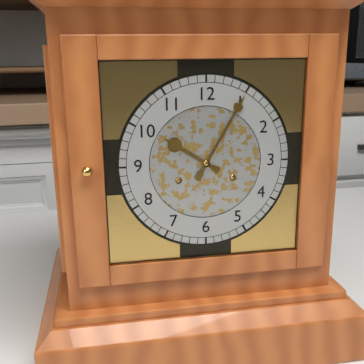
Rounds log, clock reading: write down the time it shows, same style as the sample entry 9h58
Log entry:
10h05
